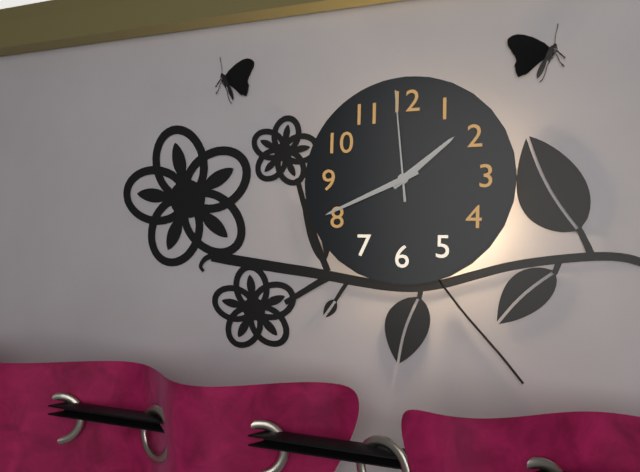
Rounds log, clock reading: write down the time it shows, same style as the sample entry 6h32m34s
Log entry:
1h41m59s
